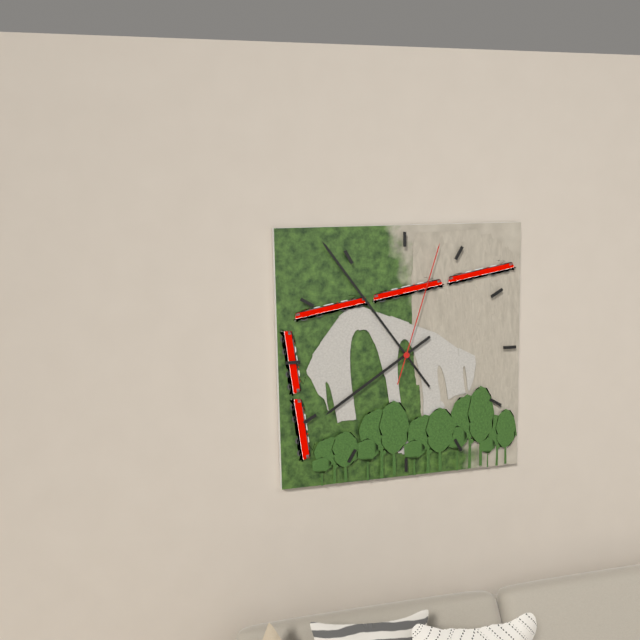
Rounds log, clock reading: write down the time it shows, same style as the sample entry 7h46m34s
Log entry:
7h54m03s
